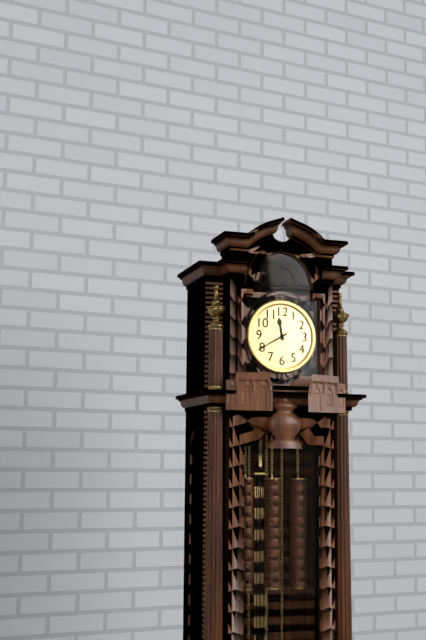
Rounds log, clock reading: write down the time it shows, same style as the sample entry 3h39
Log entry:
11h40
